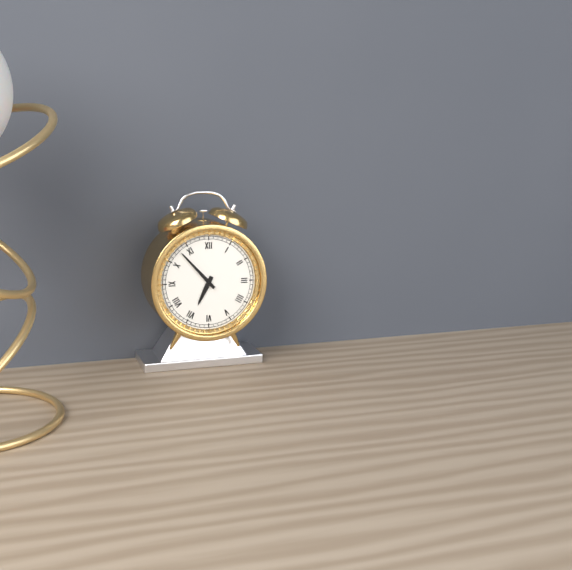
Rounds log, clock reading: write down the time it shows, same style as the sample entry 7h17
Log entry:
6h53
